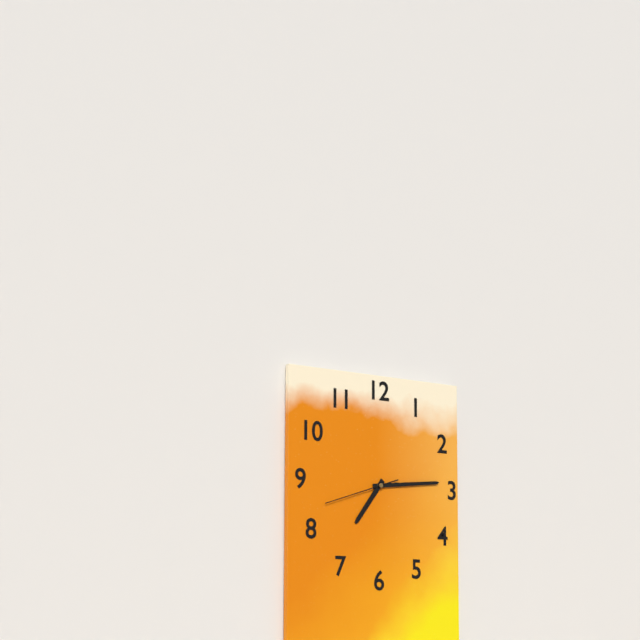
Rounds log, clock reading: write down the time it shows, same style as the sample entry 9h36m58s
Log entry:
7h14m42s
